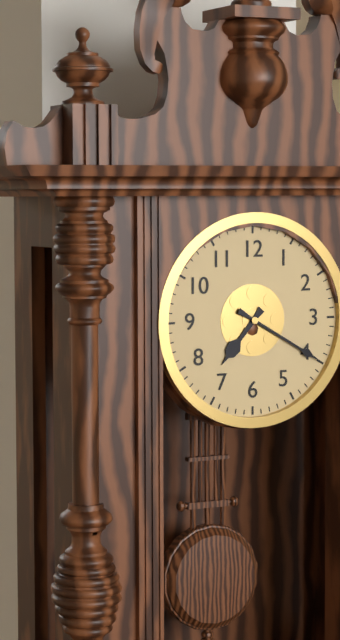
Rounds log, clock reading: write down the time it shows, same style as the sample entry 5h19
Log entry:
7h20
